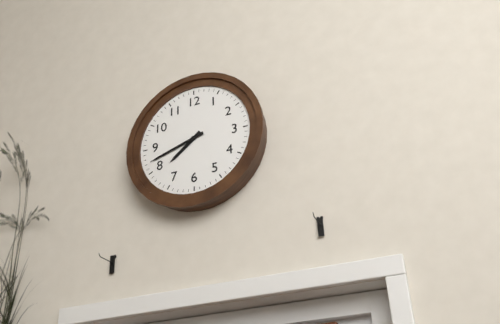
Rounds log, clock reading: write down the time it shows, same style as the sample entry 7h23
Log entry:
7h42
